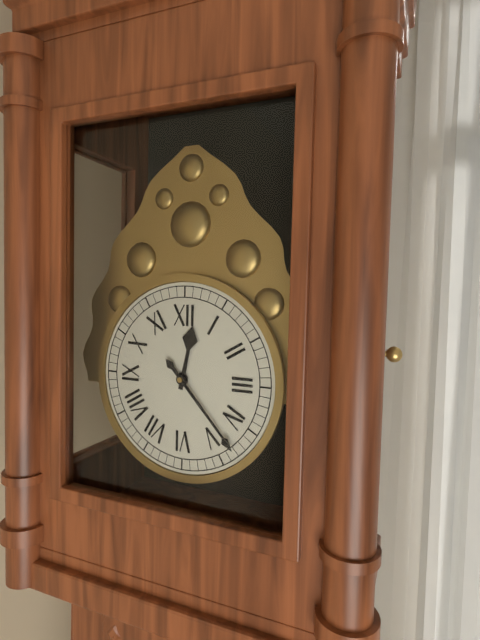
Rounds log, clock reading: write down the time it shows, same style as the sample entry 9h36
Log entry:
12h23
